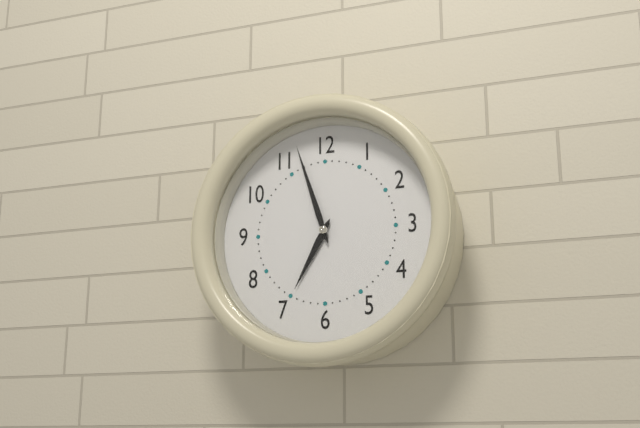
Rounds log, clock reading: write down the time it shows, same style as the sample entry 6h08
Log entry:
6h57
